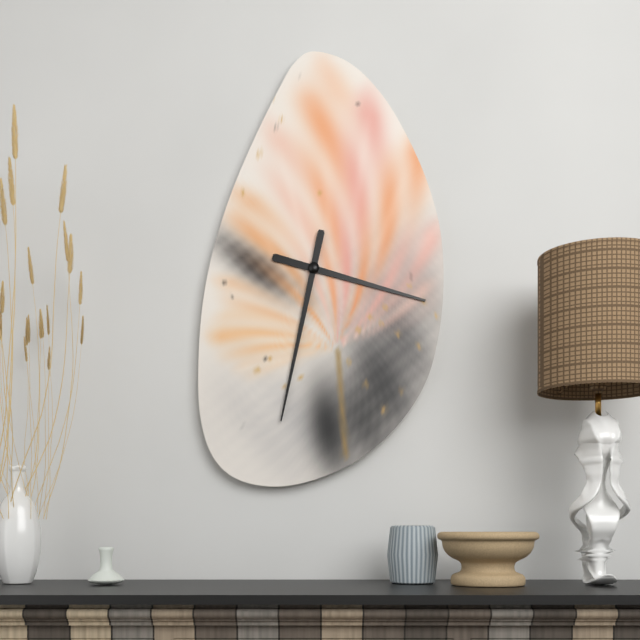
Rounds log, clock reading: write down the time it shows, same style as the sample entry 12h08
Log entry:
3h32
